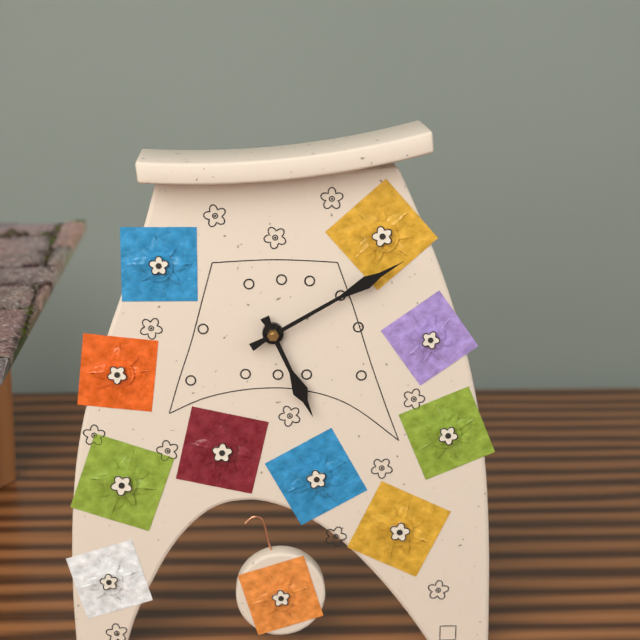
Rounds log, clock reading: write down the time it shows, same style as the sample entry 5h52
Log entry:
5h10
